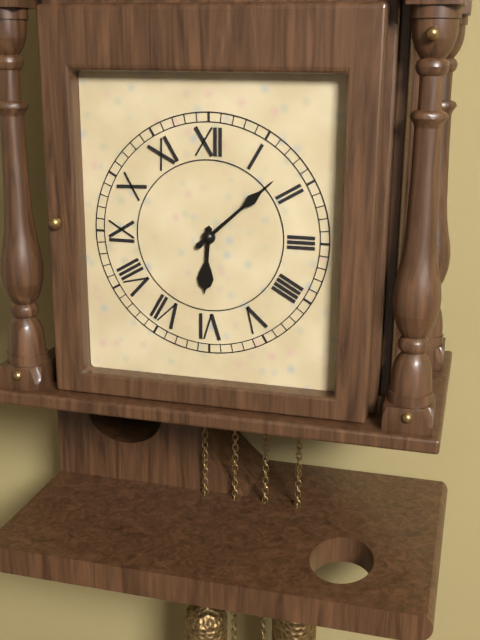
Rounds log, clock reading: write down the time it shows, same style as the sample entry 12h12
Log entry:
6h08
